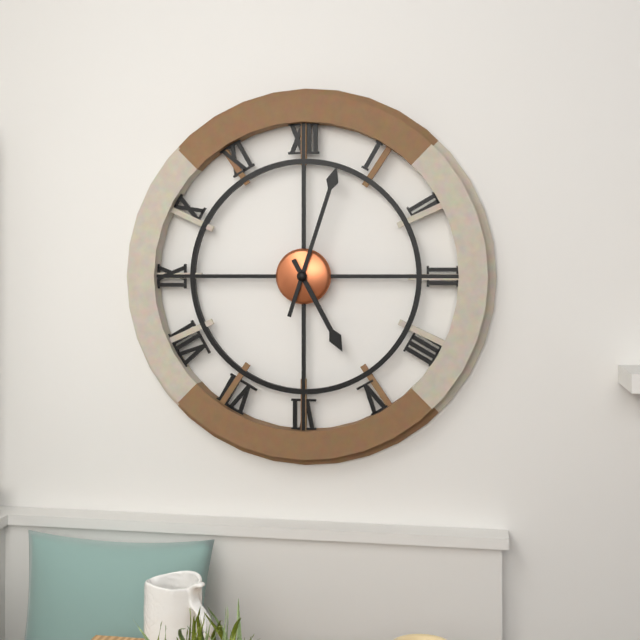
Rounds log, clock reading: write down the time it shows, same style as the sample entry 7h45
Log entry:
5h03
